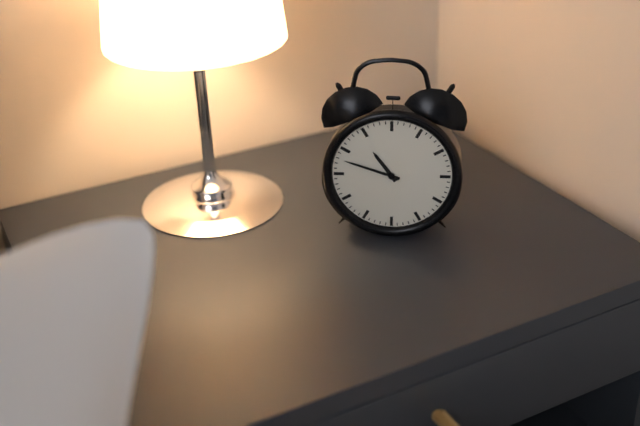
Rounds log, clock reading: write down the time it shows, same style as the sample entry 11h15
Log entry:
10h48
